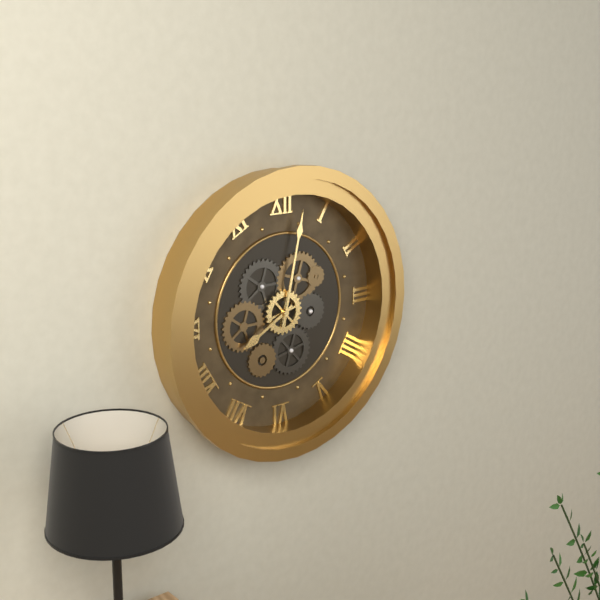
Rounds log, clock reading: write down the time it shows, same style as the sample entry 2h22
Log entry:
8h02
